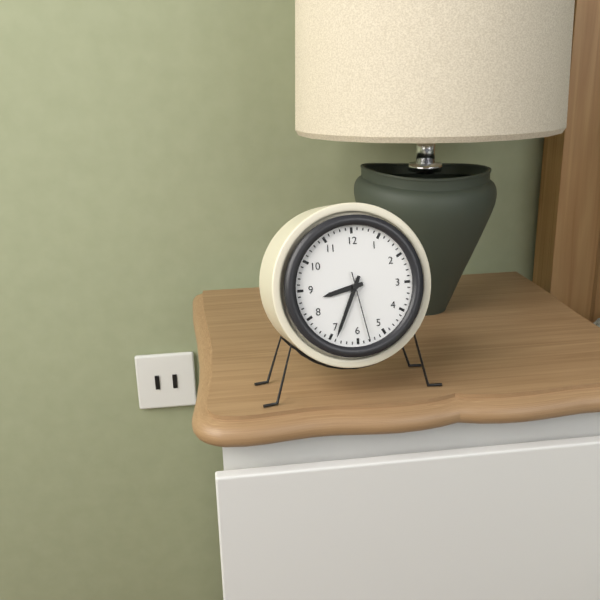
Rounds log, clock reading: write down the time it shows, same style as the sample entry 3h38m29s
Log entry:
8h34m28s
